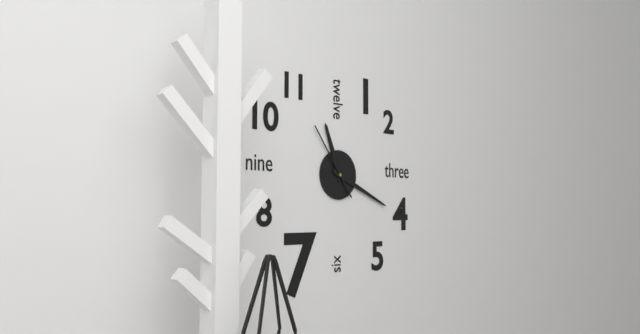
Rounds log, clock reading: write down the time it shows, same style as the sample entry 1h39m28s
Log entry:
11h19m54s
